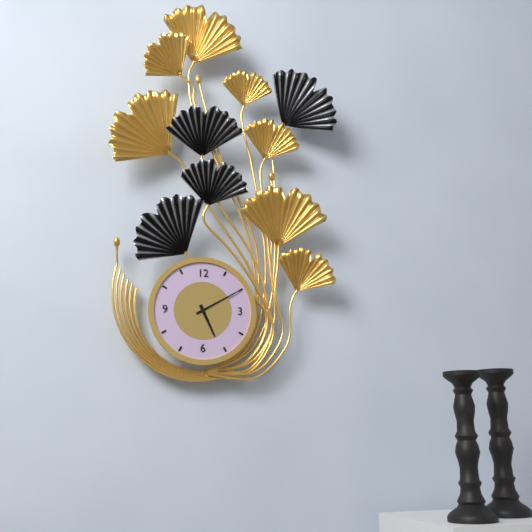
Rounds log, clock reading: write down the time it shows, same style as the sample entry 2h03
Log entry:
5h10
